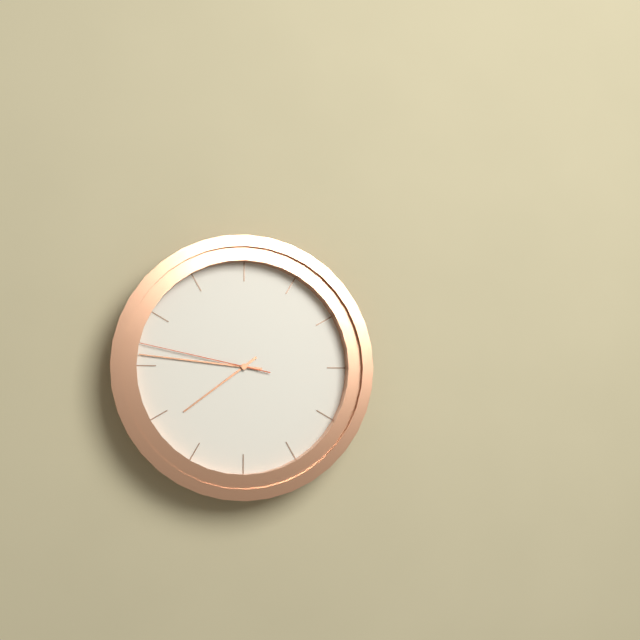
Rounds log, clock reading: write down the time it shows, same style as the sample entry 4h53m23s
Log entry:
7h46m47s
